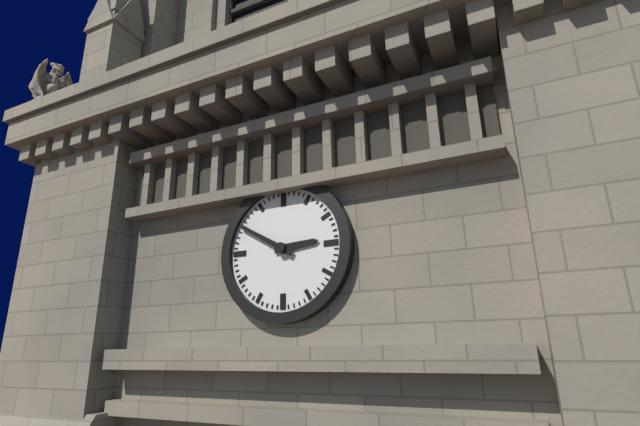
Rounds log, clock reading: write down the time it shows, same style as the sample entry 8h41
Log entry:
2h50
